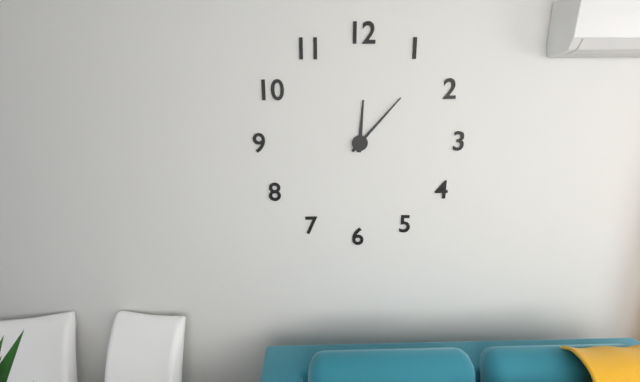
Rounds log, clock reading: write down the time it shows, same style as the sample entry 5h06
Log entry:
12h07
